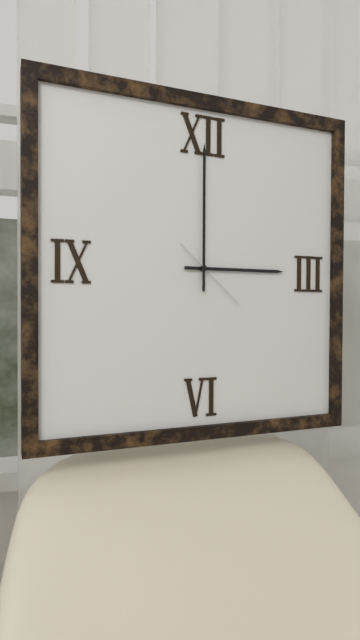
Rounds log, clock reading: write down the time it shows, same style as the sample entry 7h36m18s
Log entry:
3h00m22s
